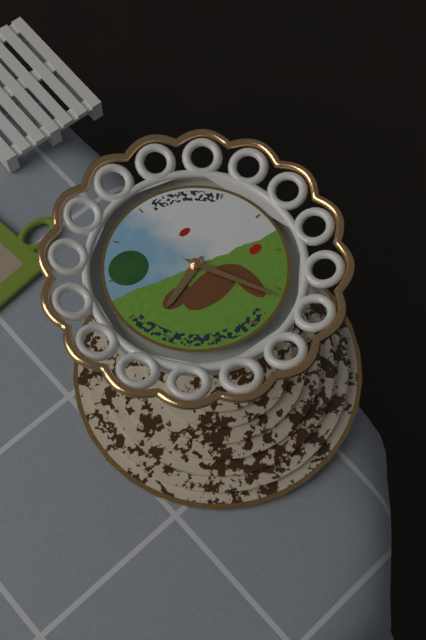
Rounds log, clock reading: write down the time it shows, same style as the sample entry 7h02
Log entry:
8h26
